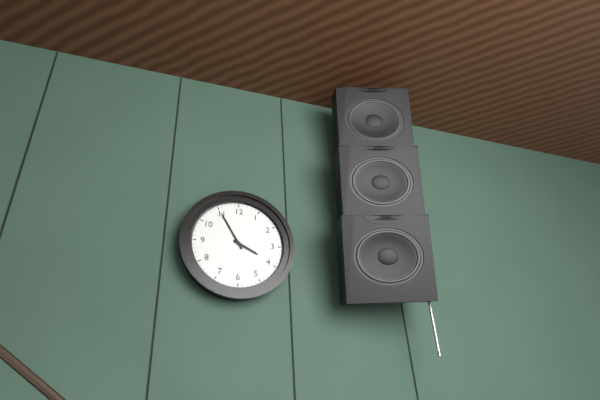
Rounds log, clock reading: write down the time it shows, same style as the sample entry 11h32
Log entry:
3h55
